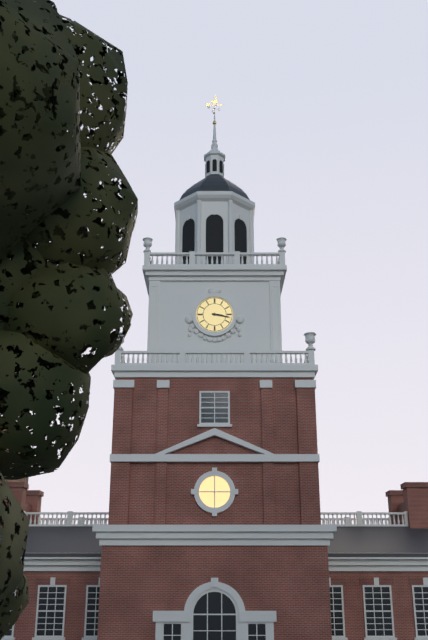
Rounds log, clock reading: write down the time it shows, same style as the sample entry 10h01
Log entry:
3h17
